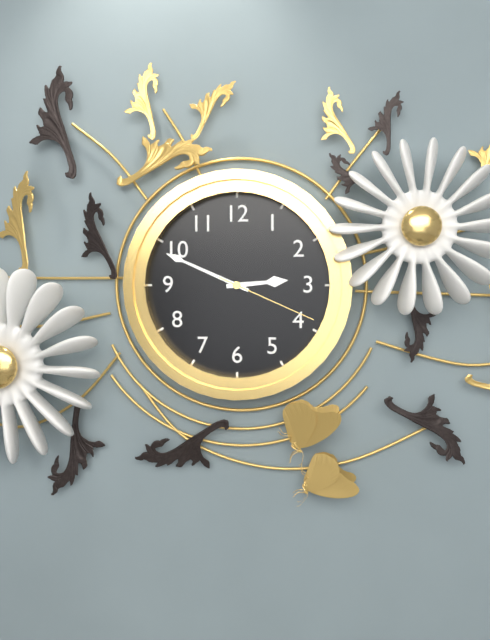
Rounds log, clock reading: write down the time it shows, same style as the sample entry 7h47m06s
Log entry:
2h49m19s
